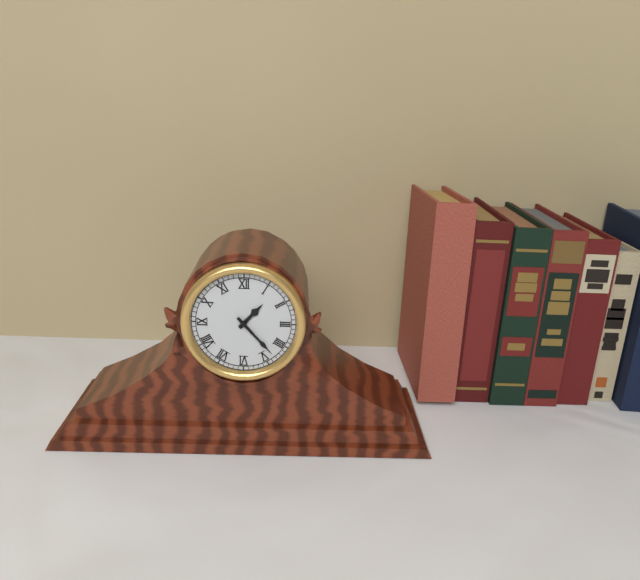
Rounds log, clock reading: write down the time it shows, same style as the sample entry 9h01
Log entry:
1h23
